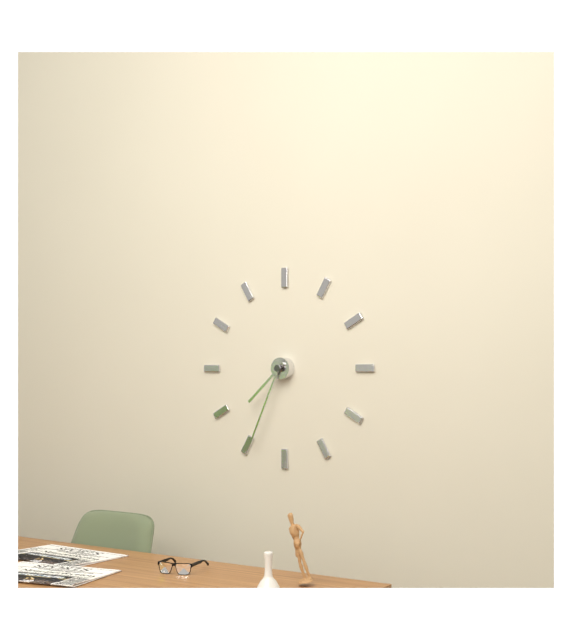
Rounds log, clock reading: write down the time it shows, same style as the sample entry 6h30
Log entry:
7h34
